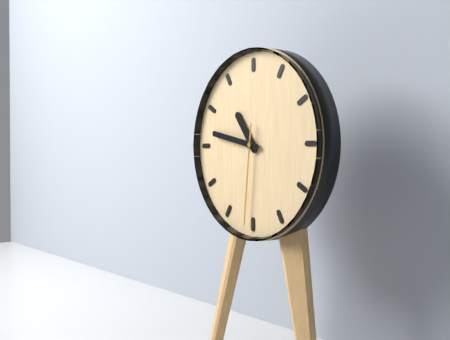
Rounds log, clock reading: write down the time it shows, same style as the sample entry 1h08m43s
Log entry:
10h47m31s
